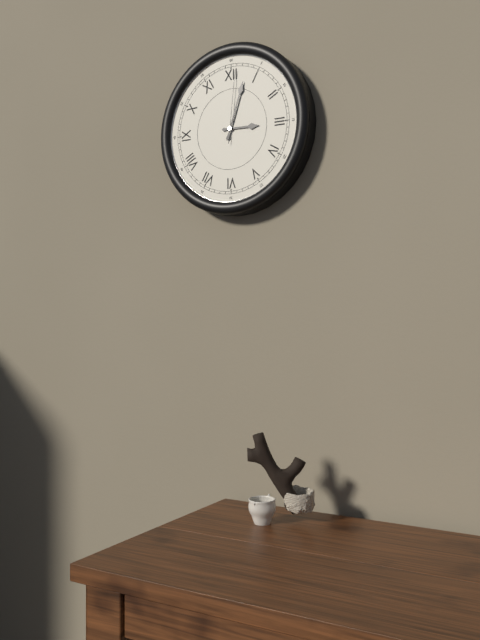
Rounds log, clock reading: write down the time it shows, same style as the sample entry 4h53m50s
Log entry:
3h03m01s
